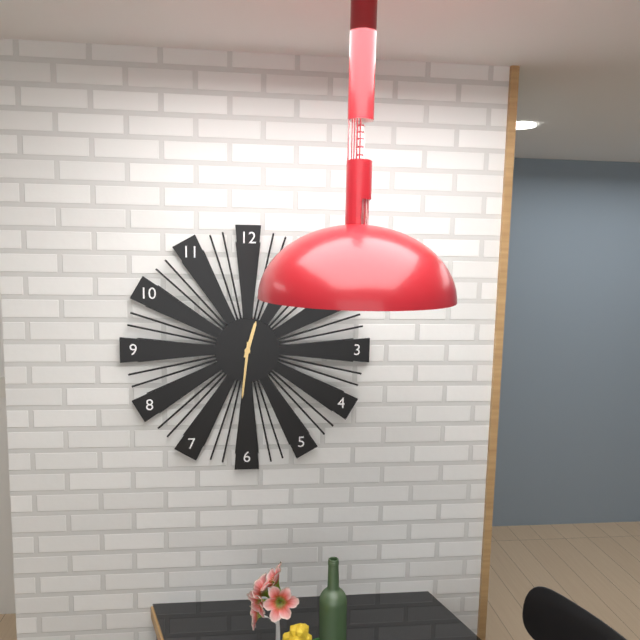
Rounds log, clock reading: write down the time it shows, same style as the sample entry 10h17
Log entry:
12h31
